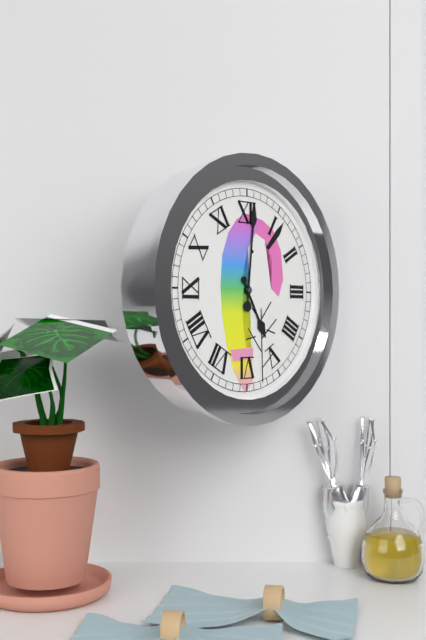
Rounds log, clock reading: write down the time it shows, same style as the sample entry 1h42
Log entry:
5h01
